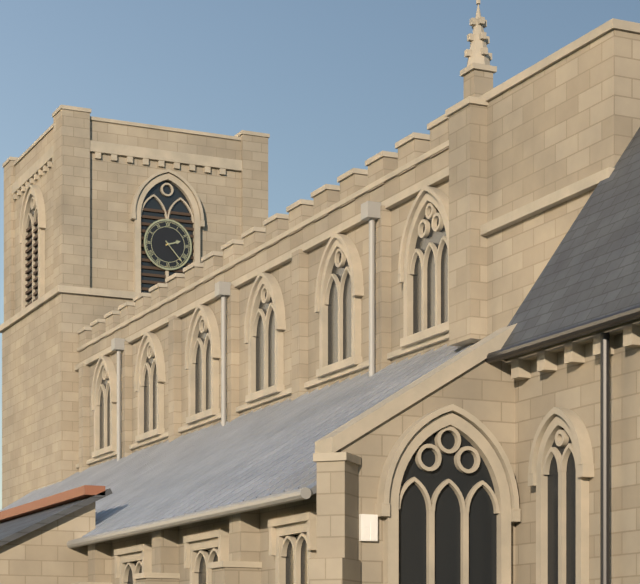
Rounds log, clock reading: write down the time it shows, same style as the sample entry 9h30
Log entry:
2h23
